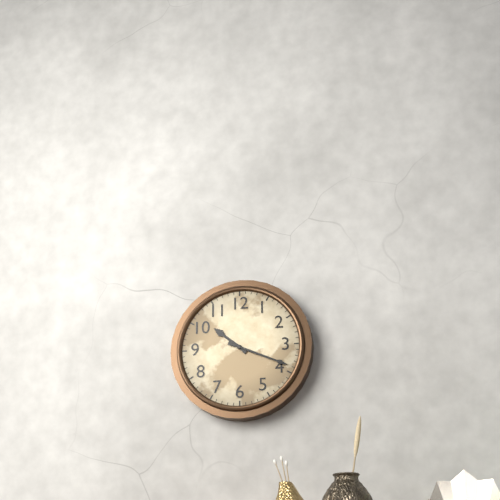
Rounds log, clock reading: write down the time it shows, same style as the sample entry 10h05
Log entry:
10h19
